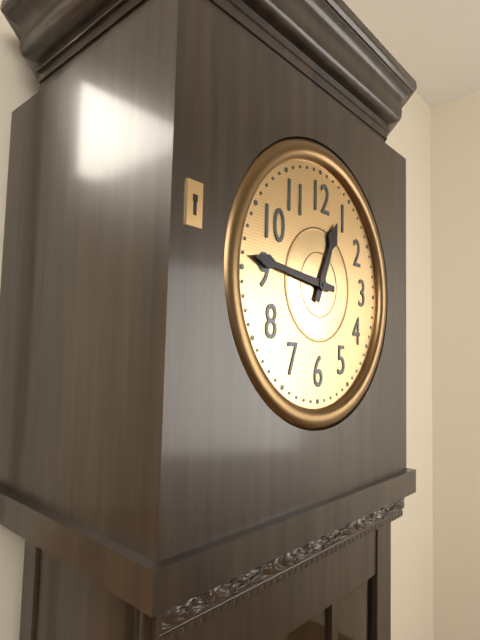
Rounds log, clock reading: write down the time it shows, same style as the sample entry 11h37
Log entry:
12h46
